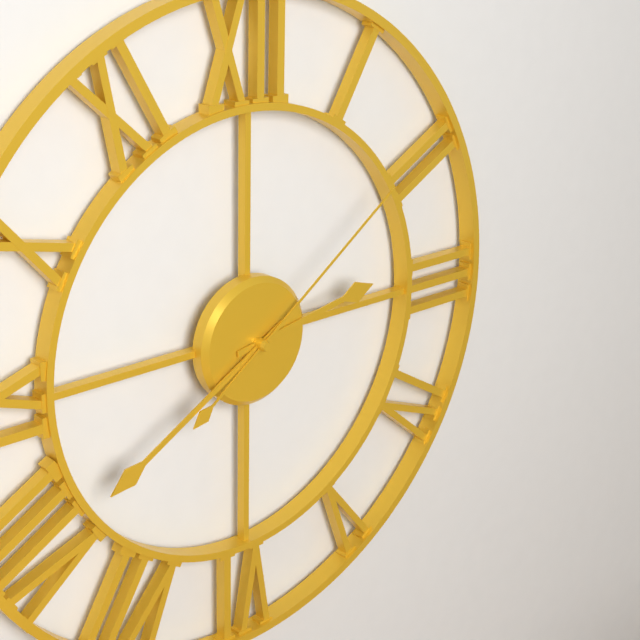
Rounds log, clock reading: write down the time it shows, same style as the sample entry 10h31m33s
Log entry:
2h40m09s
